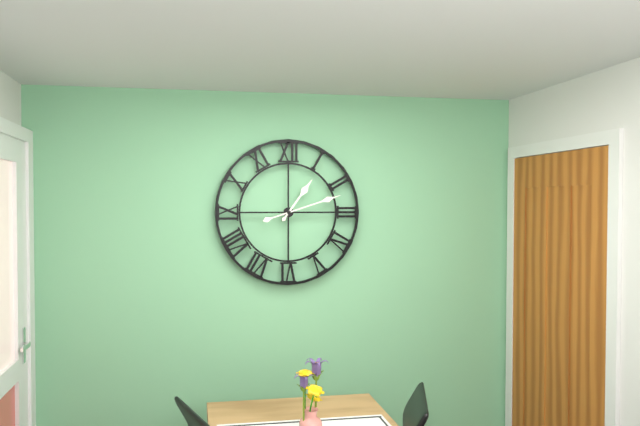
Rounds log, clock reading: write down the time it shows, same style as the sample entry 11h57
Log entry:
1h12
